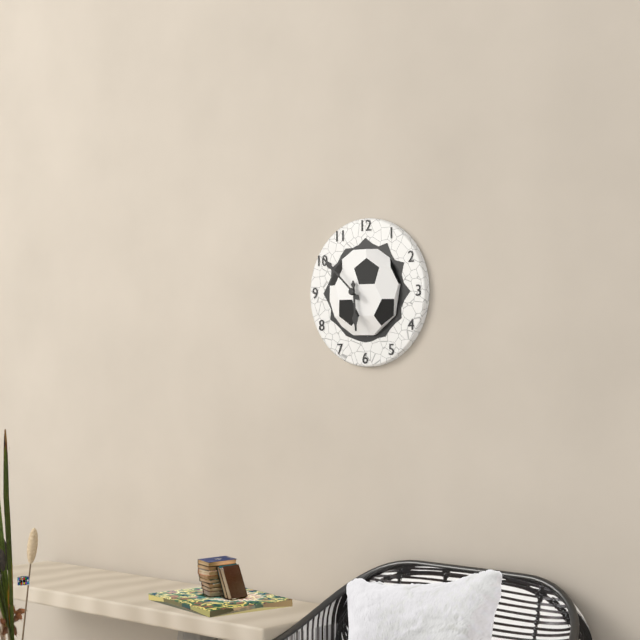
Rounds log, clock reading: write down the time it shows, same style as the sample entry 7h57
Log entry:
5h52
